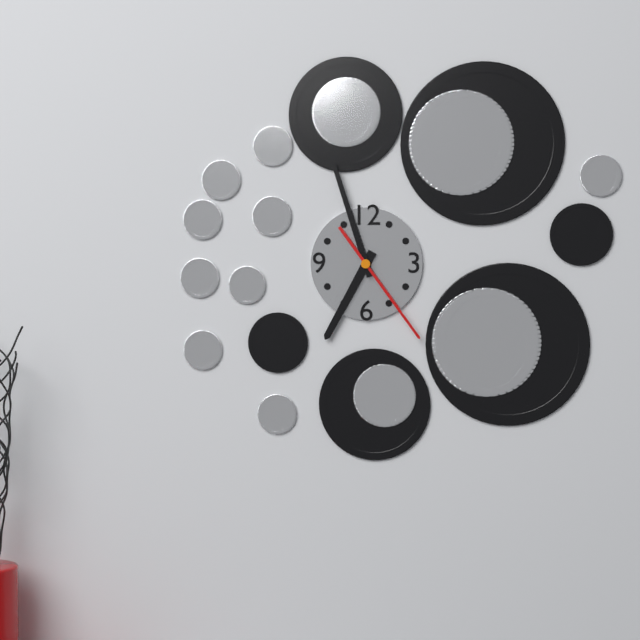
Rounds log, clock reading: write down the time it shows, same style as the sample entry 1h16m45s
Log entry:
6h57m24s
